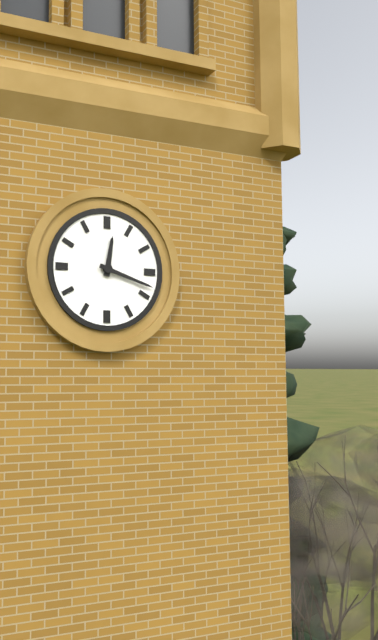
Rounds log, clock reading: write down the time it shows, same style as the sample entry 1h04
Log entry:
12h18
